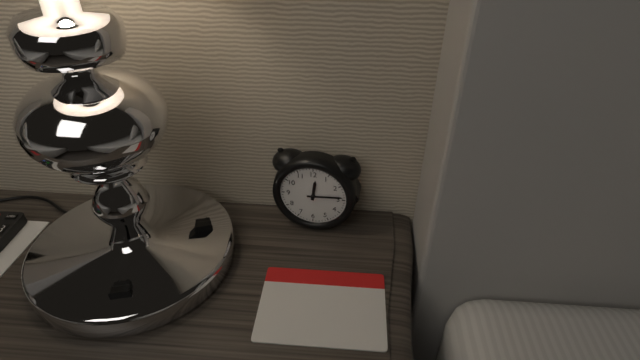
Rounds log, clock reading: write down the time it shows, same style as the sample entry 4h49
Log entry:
12h14
